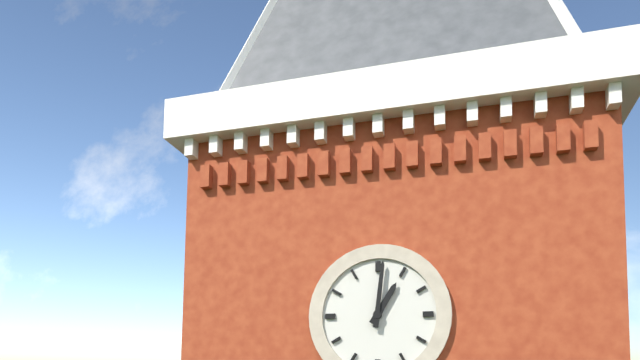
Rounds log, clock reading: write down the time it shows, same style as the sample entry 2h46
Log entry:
1h01
